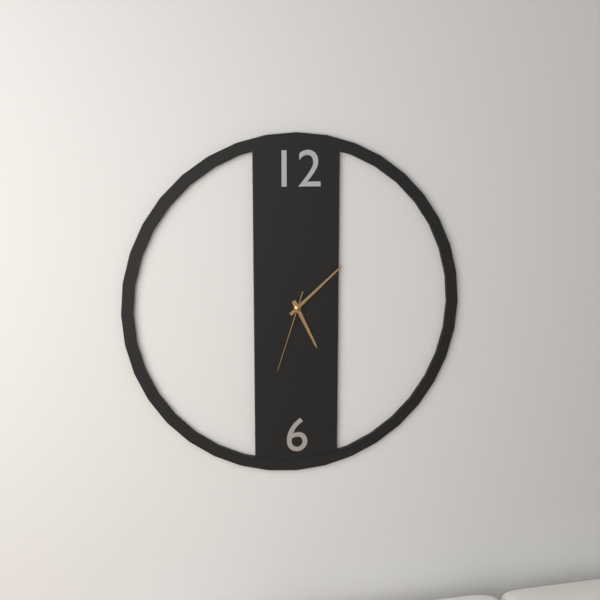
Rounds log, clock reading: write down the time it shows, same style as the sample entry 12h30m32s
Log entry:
5h08m33s
